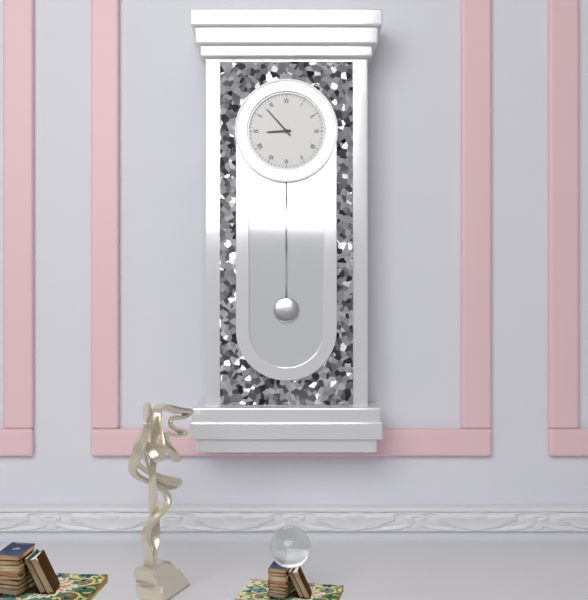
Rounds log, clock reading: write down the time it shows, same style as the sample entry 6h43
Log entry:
8h53
